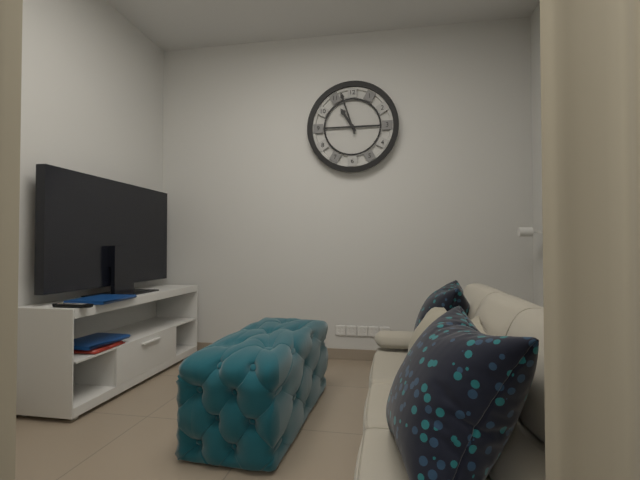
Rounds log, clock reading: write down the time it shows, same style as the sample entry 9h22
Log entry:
10h57
